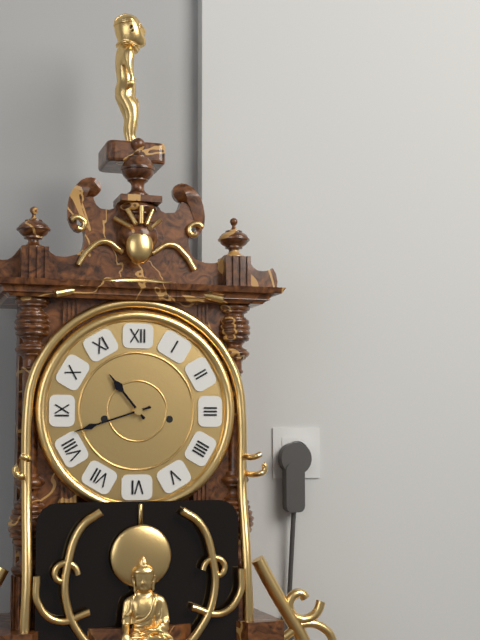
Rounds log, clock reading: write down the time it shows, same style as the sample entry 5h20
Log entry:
10h42
